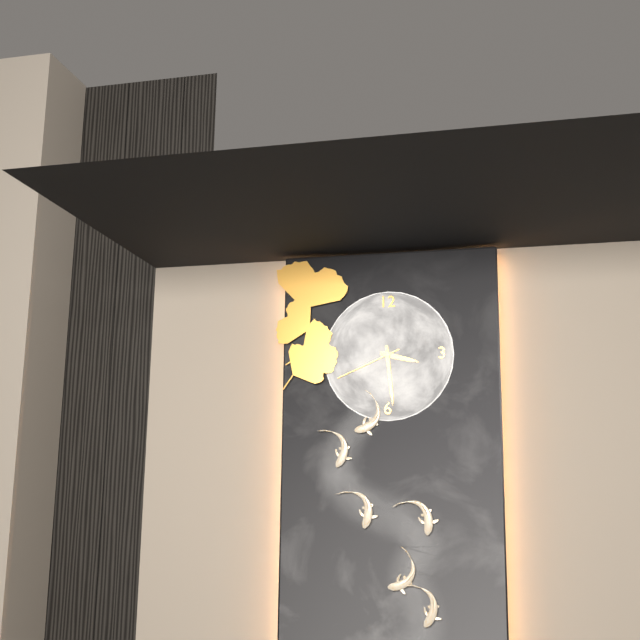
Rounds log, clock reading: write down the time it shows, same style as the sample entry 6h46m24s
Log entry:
3h29m41s
